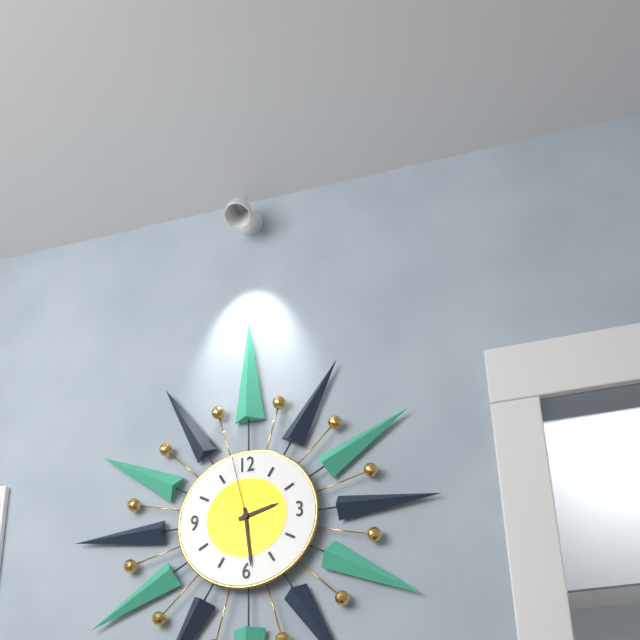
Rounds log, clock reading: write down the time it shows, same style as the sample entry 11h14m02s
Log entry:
2h29m58s
